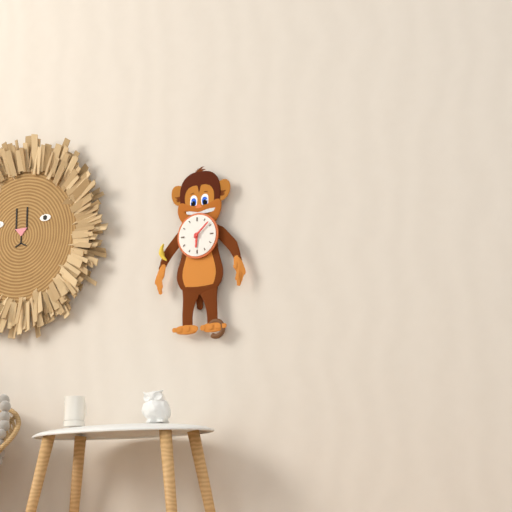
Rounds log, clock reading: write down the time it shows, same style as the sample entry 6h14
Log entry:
6h08
